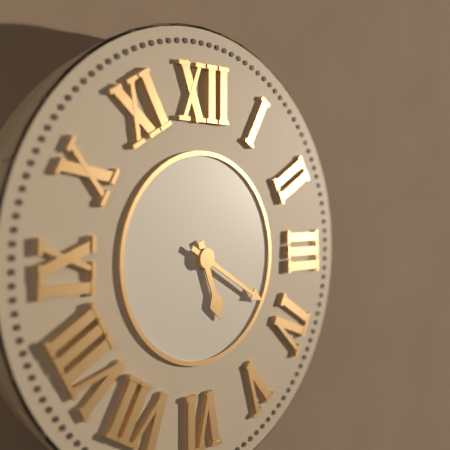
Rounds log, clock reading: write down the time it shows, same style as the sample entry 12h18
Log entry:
5h20
